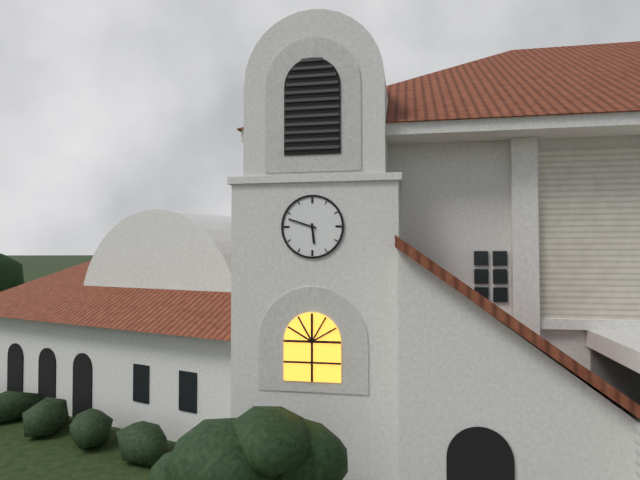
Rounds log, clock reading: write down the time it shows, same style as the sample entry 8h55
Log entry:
5h48
